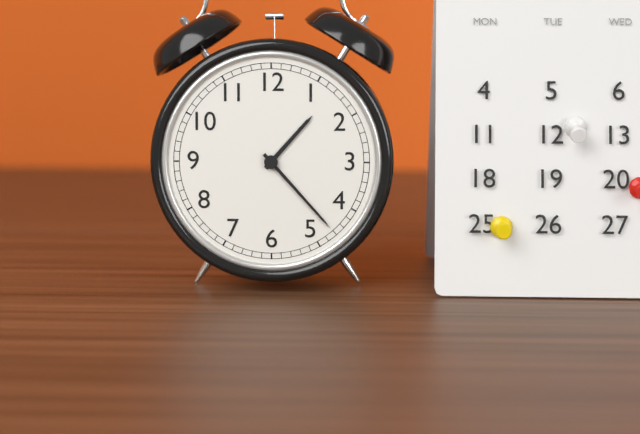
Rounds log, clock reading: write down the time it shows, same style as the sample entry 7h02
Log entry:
1h23
